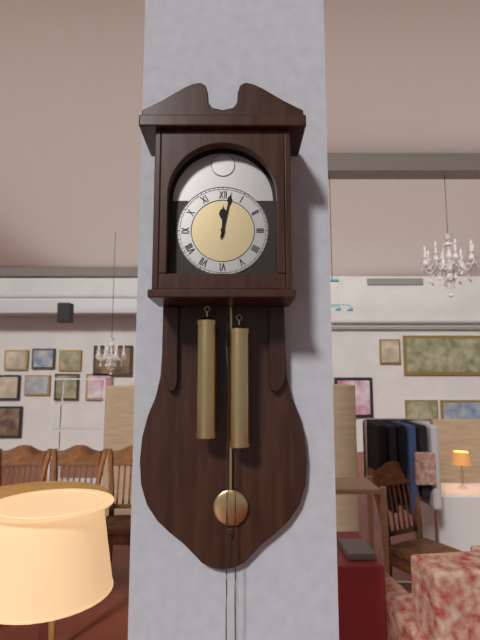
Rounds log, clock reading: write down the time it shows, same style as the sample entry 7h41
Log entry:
12h02
